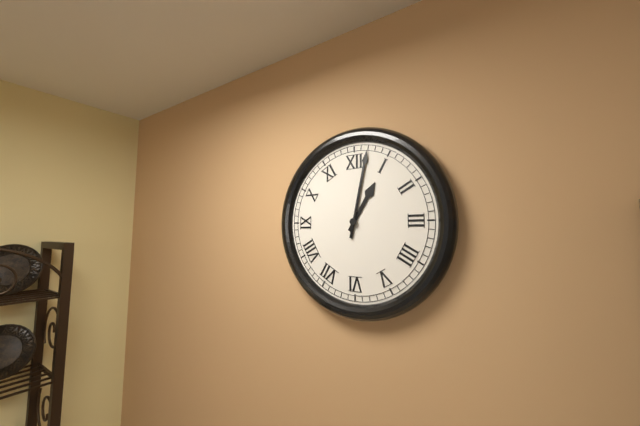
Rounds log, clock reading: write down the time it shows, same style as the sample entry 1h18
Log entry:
1h02
